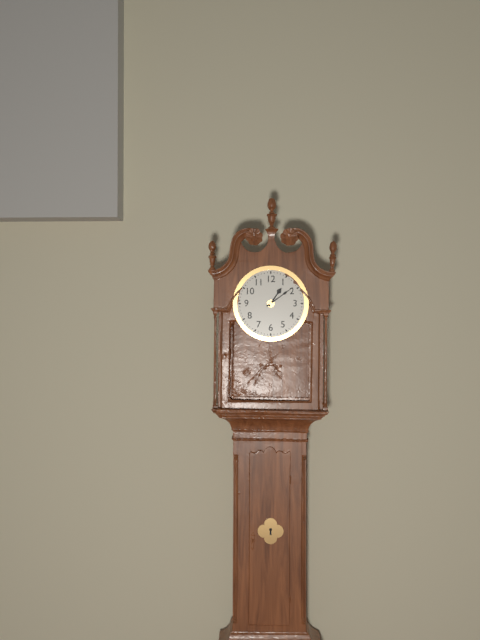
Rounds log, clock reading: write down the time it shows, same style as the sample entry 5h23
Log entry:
1h09
